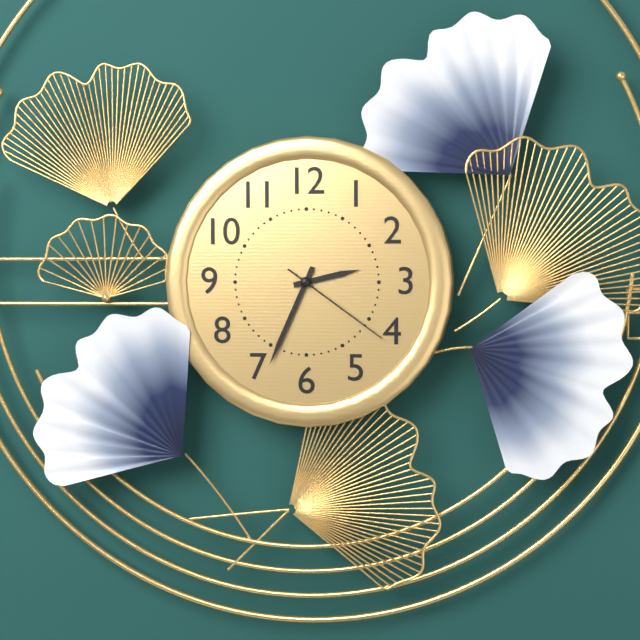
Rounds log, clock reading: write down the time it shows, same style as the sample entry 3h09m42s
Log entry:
2h34m21s
